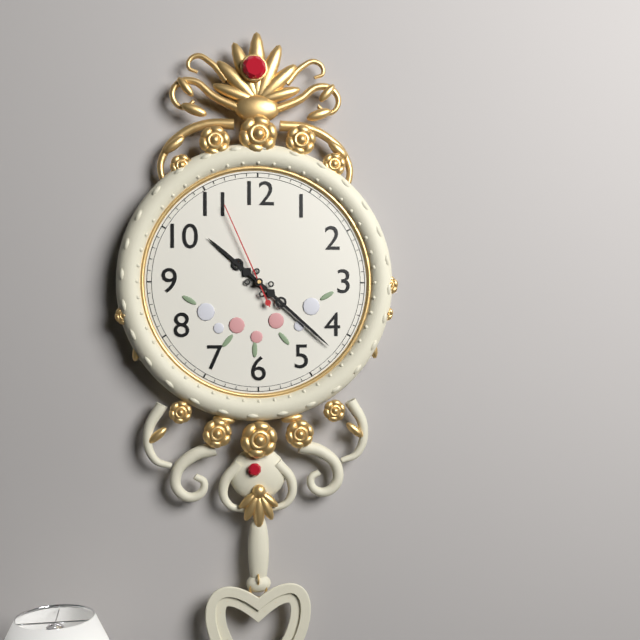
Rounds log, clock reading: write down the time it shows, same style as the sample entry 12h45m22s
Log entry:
10h22m56s
